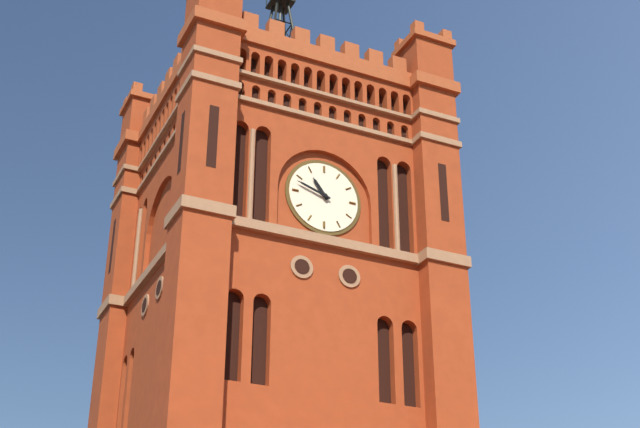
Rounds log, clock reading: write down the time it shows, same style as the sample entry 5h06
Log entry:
10h48
